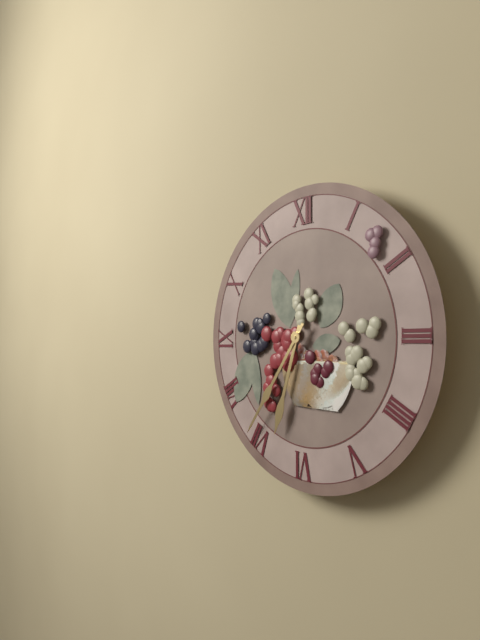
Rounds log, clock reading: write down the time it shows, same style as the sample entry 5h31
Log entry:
6h36
